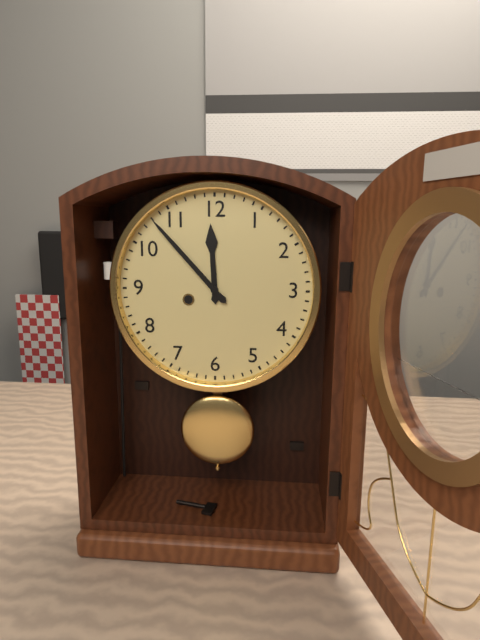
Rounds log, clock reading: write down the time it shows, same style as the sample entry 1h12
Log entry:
11h53
